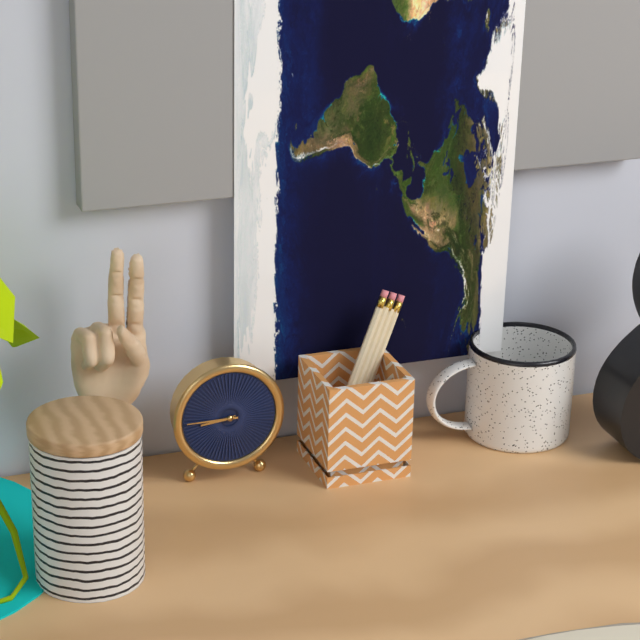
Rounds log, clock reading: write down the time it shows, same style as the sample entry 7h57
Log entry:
8h45
